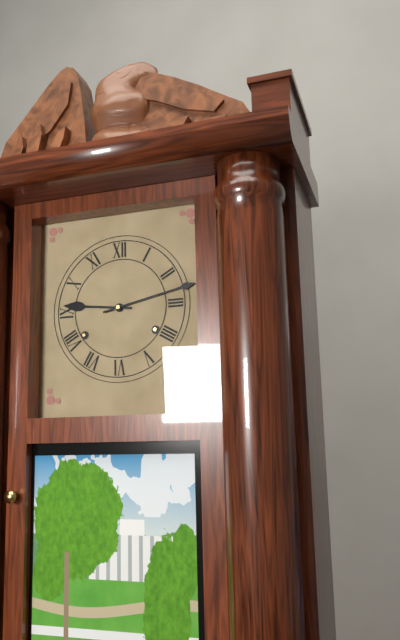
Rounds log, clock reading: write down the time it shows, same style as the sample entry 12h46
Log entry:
9h13
